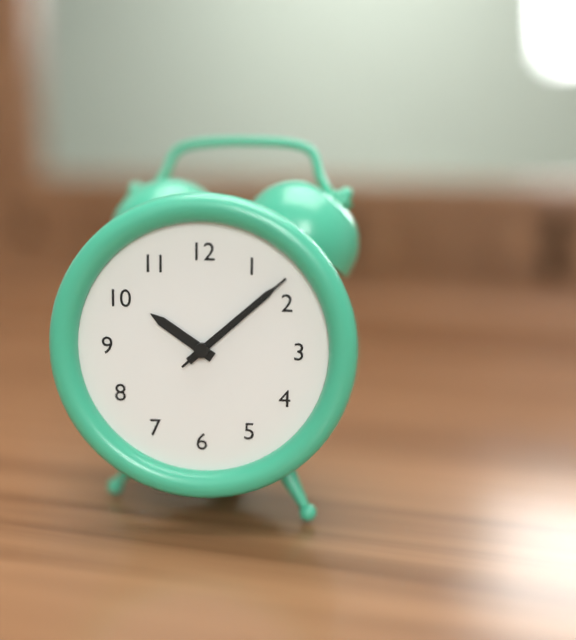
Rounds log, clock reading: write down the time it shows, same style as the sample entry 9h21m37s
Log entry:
10h08m08s
